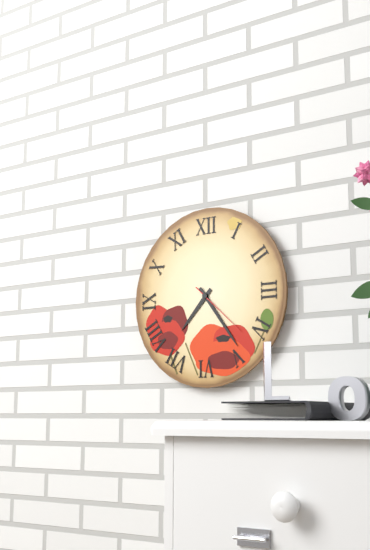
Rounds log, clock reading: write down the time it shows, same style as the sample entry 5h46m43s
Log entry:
7h24m22s
